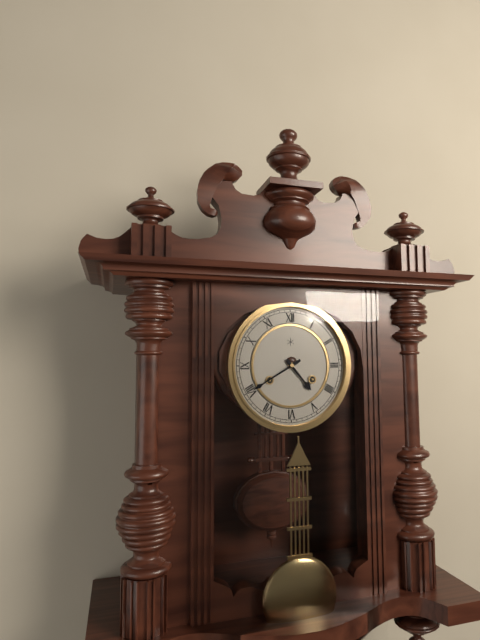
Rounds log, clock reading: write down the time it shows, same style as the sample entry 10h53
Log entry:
4h40
